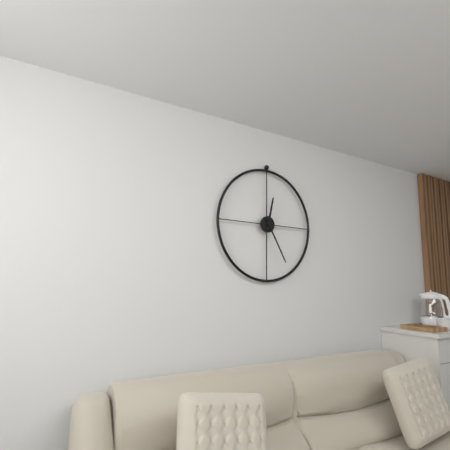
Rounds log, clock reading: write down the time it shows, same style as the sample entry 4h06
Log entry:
12h25
